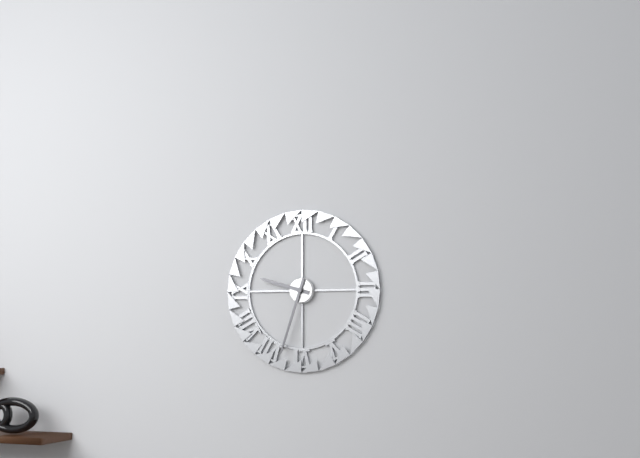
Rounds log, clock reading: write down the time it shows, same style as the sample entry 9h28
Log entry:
9h33
